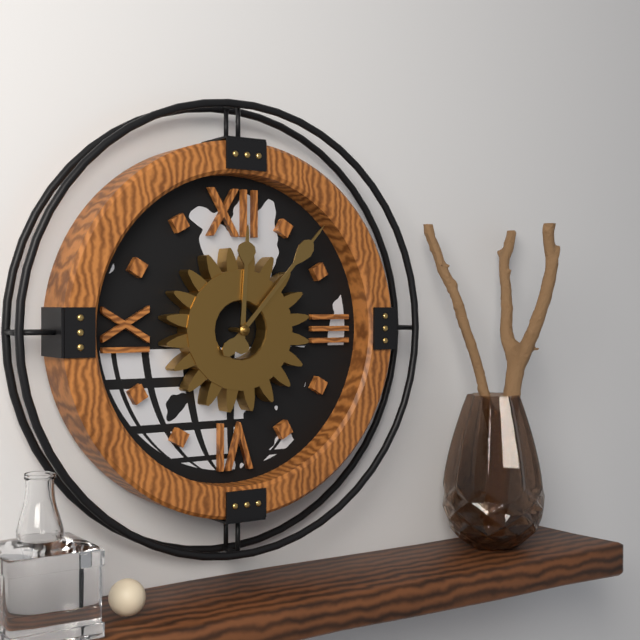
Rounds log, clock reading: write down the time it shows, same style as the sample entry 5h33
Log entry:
12h07
